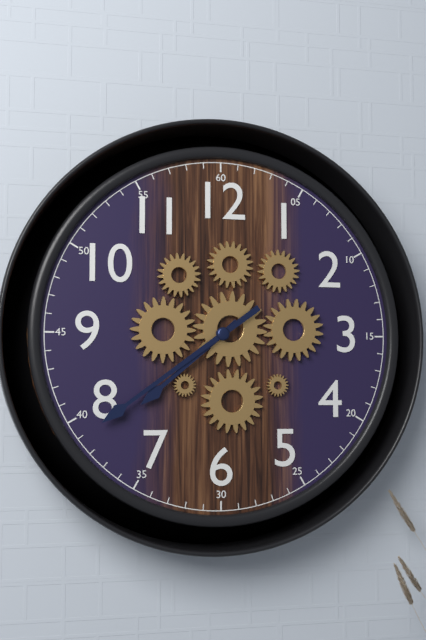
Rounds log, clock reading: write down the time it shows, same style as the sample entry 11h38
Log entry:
7h39
